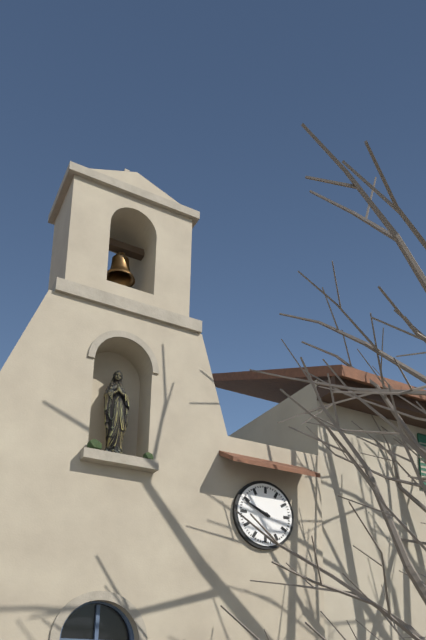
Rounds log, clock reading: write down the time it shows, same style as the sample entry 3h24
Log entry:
9h49
